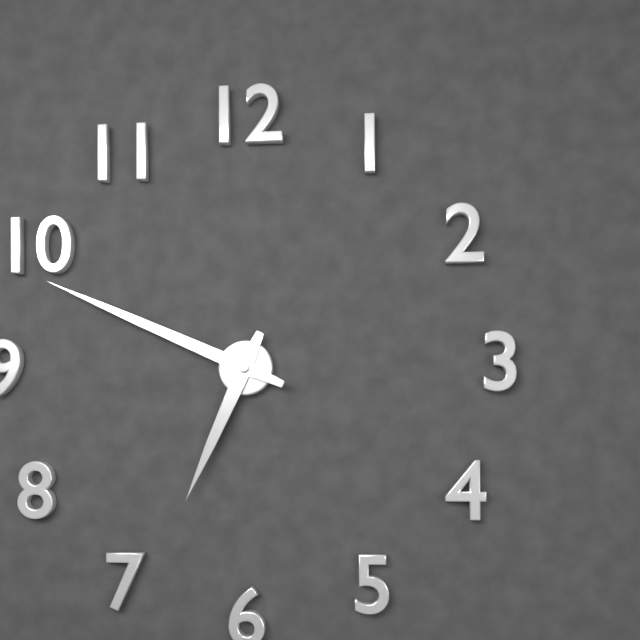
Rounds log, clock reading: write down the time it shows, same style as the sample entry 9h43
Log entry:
6h49
